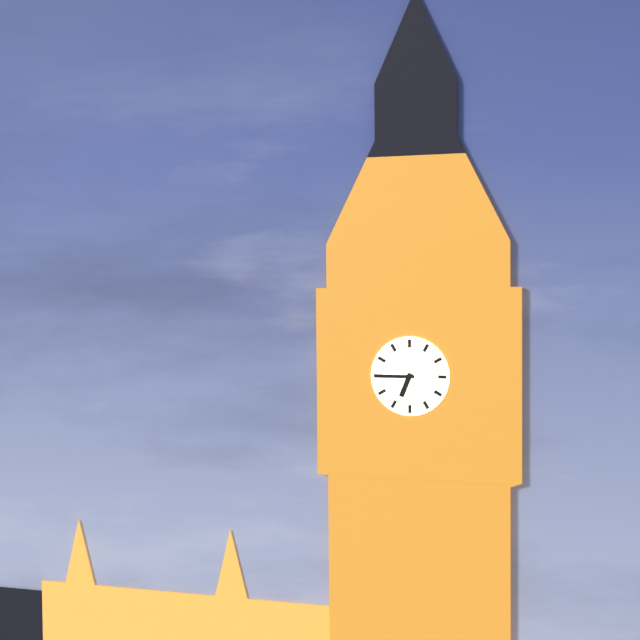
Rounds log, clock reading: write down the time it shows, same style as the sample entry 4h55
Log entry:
6h45
